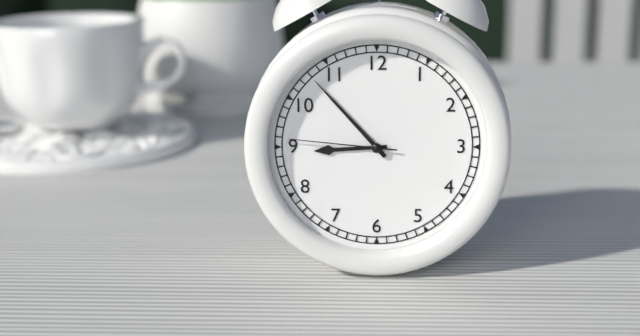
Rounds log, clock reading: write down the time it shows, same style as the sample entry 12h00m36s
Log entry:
8h53m46s
